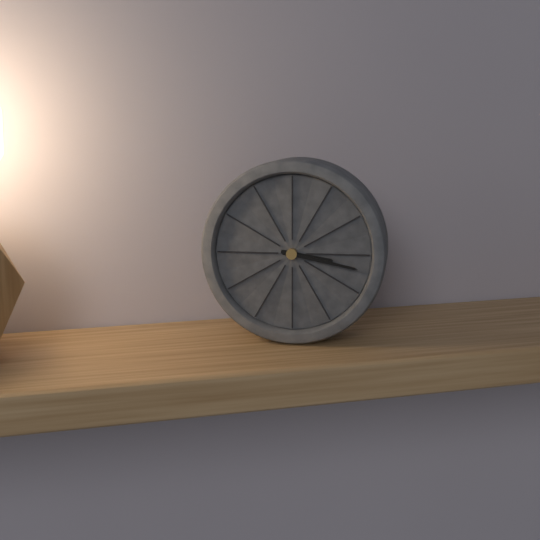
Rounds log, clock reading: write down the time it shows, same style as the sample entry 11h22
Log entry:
3h17
